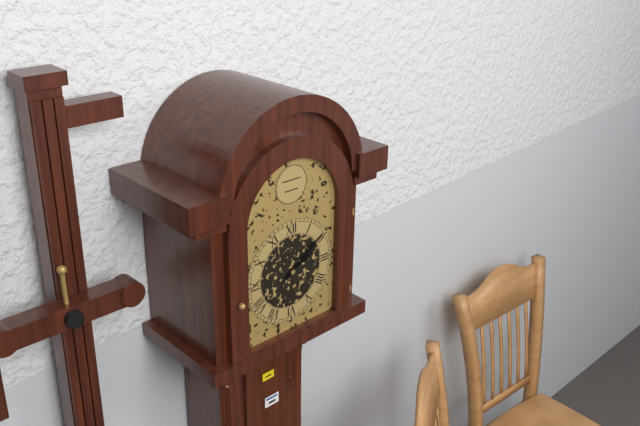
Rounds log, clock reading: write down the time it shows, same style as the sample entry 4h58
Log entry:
2h09
